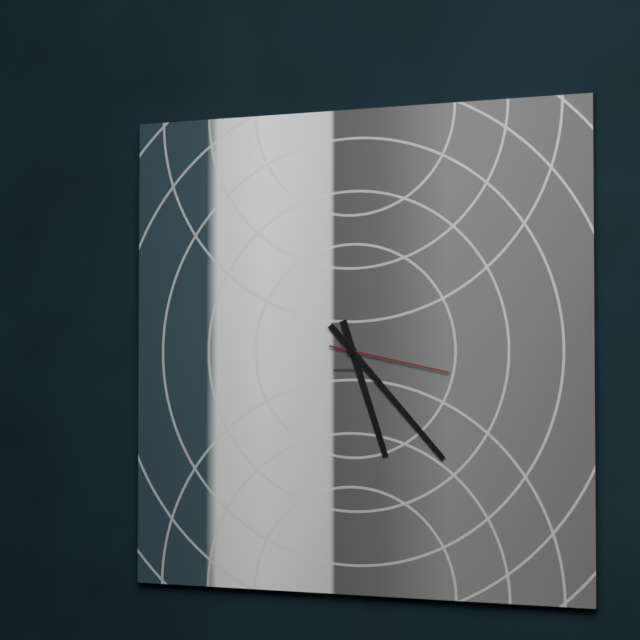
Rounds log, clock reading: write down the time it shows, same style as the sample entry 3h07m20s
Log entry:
5h23m17s
